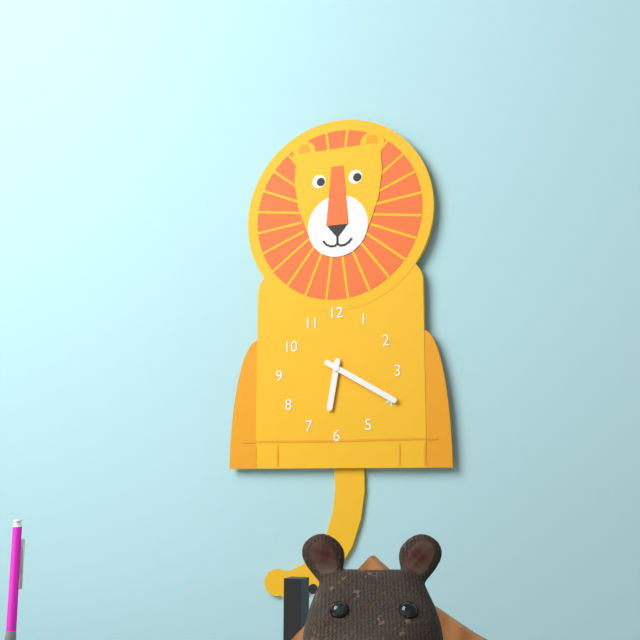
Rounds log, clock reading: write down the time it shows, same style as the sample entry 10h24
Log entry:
6h20
